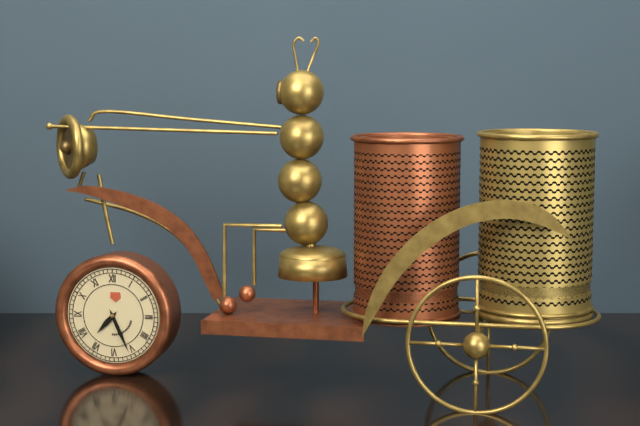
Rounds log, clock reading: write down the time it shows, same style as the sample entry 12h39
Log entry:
7h26
